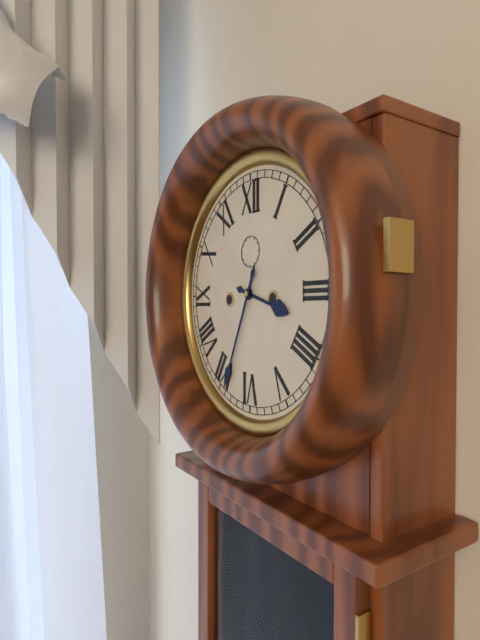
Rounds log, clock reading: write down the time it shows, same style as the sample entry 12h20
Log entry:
3h34
